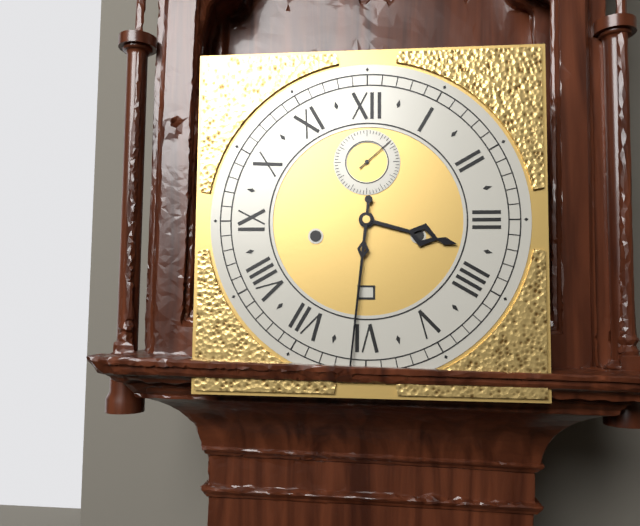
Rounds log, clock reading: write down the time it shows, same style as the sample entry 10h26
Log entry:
3h31
